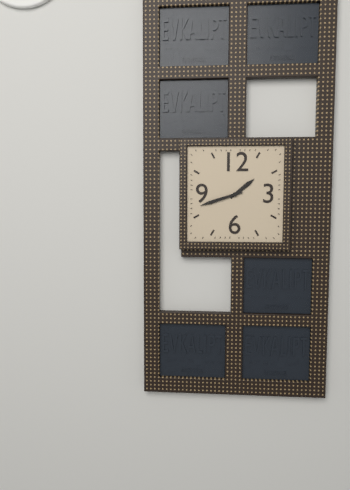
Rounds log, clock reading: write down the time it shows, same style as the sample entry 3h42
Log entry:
1h42
